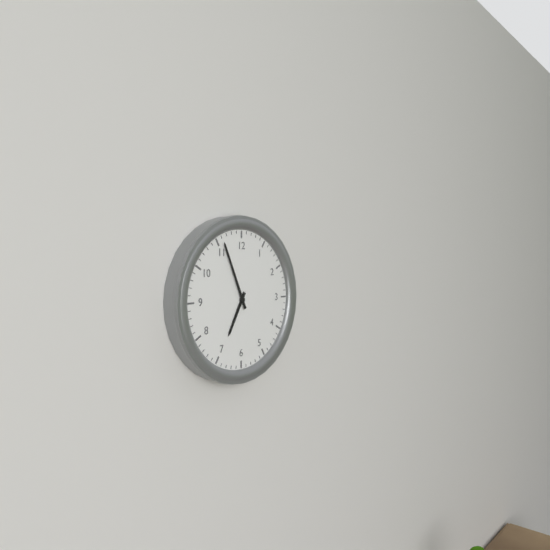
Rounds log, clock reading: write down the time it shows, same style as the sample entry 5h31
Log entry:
6h56
